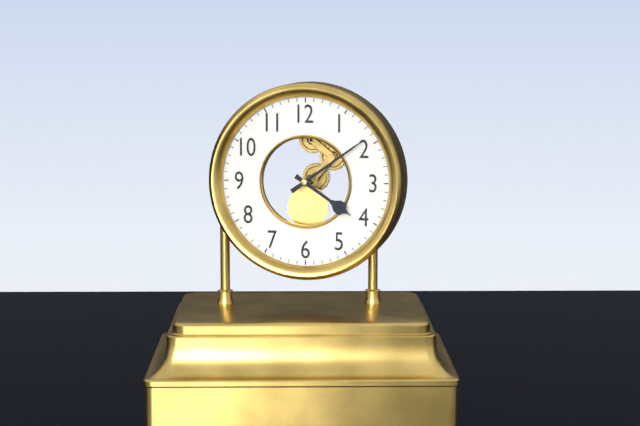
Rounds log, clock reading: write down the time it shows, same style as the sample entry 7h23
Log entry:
4h09
